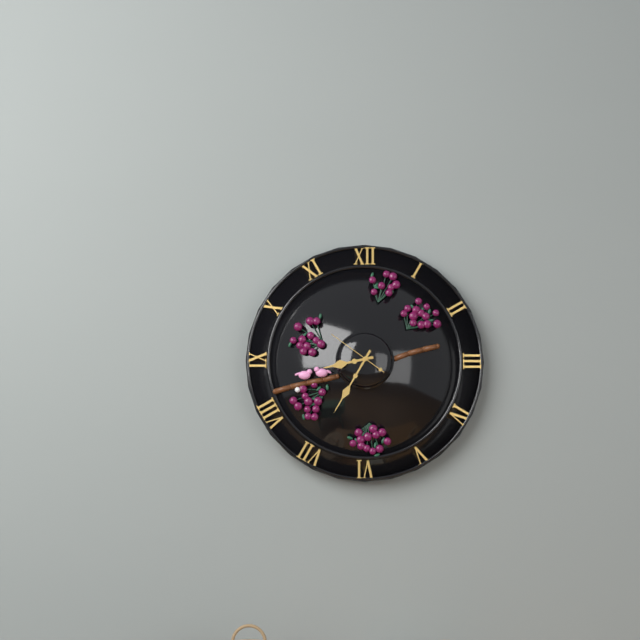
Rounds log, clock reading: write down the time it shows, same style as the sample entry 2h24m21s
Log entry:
8h35m51s
